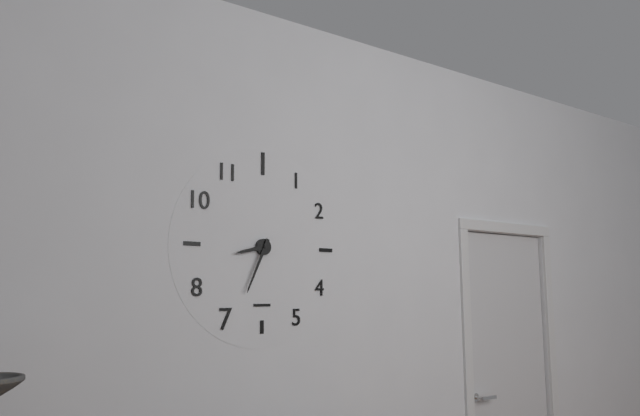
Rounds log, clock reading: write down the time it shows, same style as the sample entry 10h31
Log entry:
8h34
